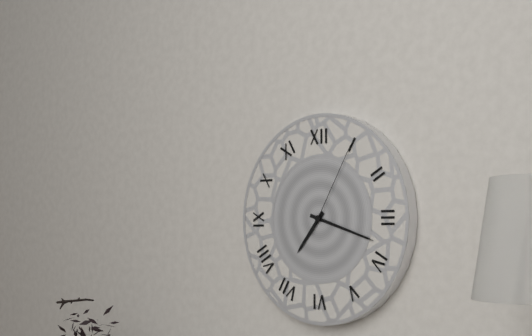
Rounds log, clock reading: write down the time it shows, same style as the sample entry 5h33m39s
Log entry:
7h18m05s
